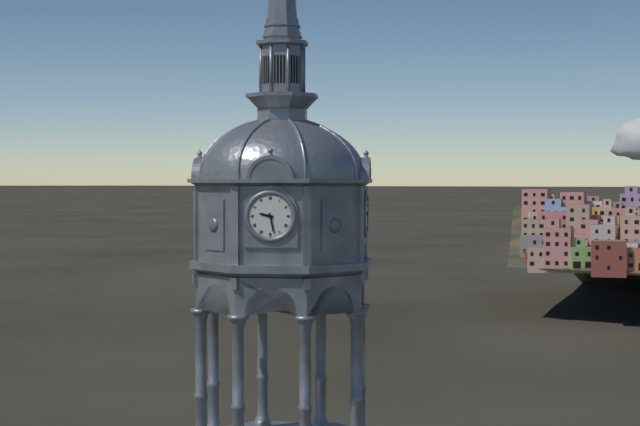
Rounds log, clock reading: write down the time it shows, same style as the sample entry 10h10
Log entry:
9h28
